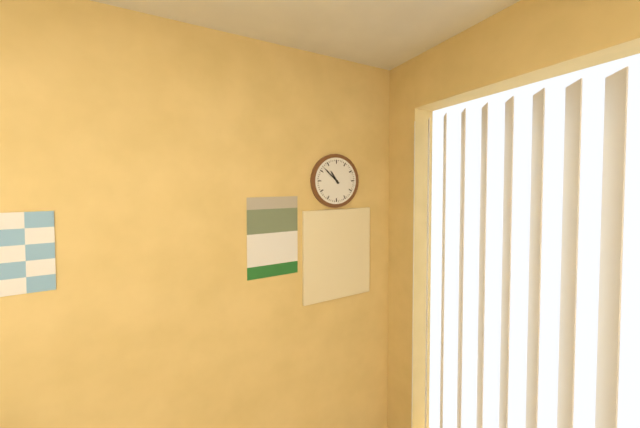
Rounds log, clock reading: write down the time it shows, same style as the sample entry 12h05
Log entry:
10h52
